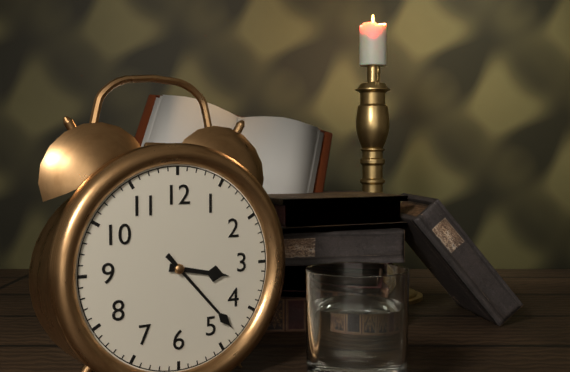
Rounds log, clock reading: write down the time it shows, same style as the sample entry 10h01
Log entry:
3h23
